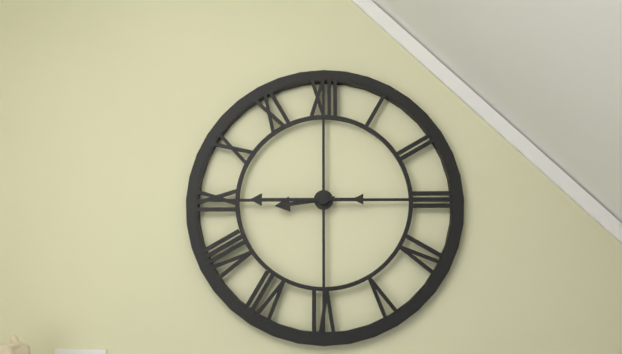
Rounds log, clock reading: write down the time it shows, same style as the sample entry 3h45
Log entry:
8h45
